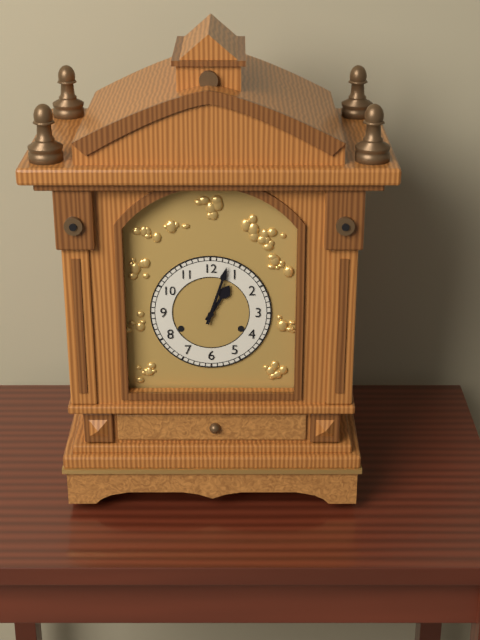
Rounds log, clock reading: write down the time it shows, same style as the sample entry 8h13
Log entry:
1h03
